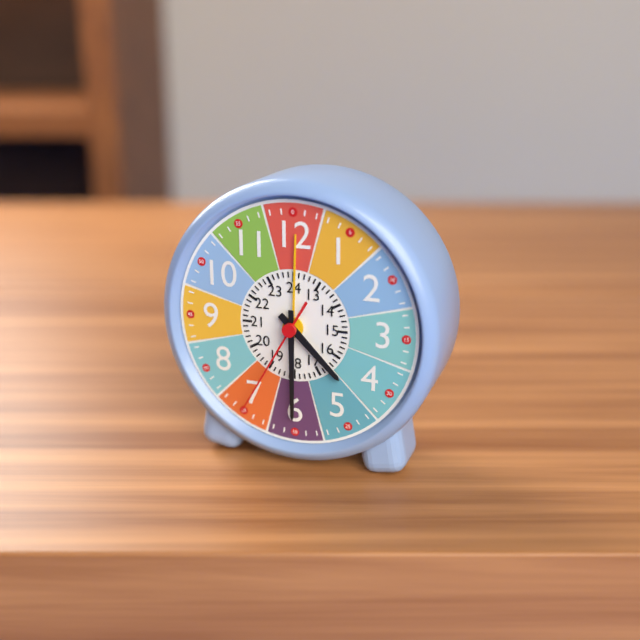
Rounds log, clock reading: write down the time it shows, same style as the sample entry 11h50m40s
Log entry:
4h30m35s
